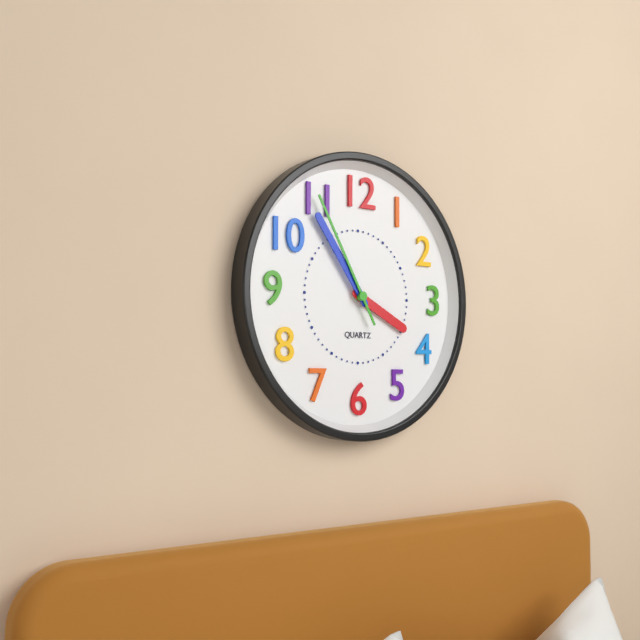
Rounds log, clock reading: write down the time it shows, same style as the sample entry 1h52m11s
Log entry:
3h54m55s
